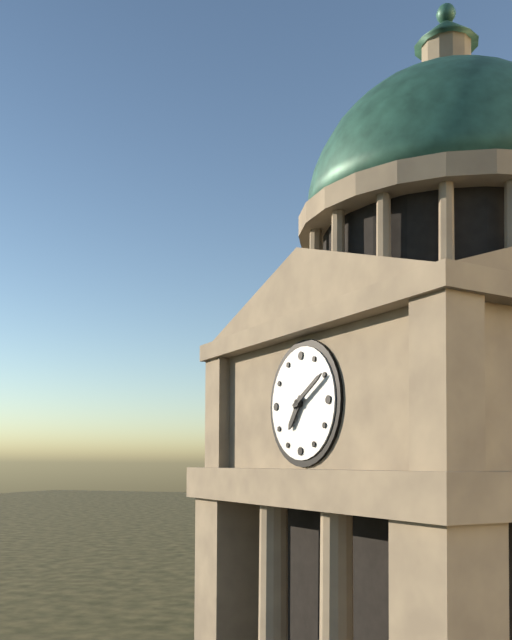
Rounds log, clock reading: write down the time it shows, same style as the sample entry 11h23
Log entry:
7h10
